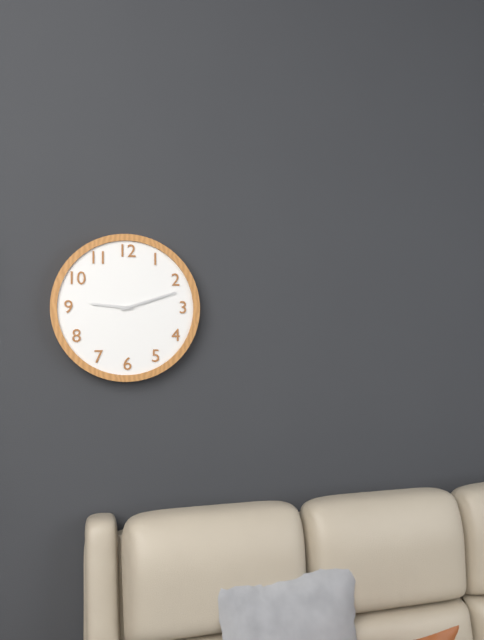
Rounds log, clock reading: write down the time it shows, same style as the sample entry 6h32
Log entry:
9h12
